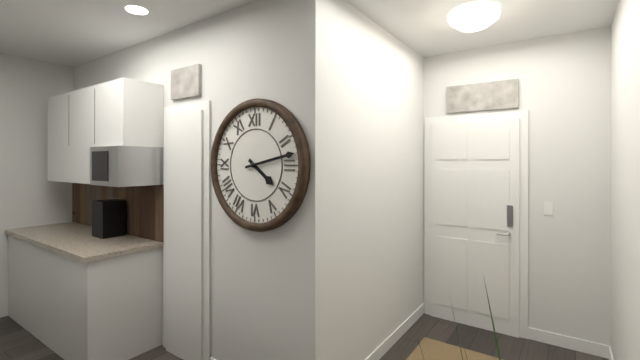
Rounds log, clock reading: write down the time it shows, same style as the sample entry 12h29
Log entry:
4h13
